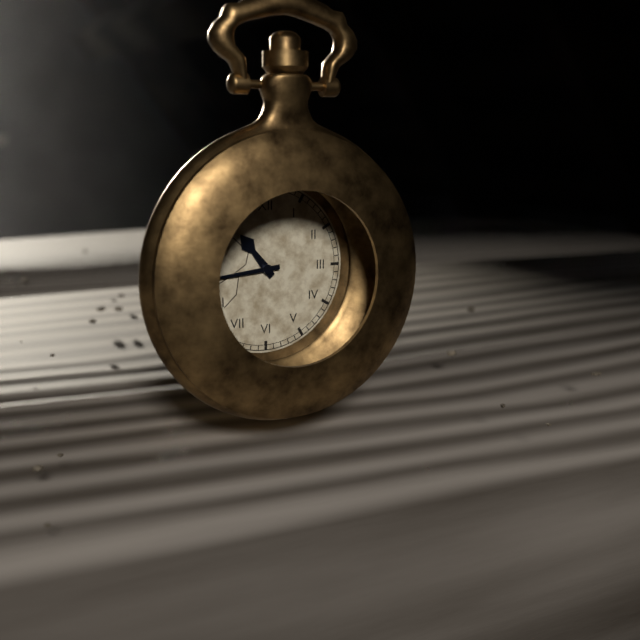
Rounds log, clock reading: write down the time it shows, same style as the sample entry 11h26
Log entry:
10h44
